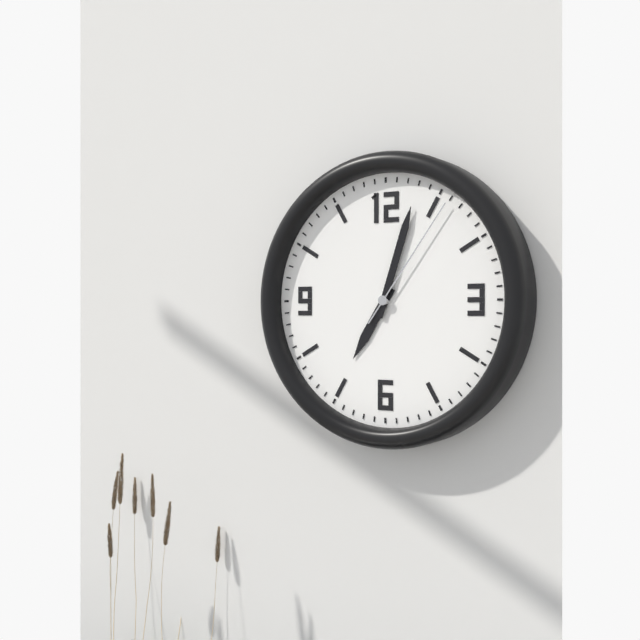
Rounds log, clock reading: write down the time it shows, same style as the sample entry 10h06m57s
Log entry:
7h03m06s
